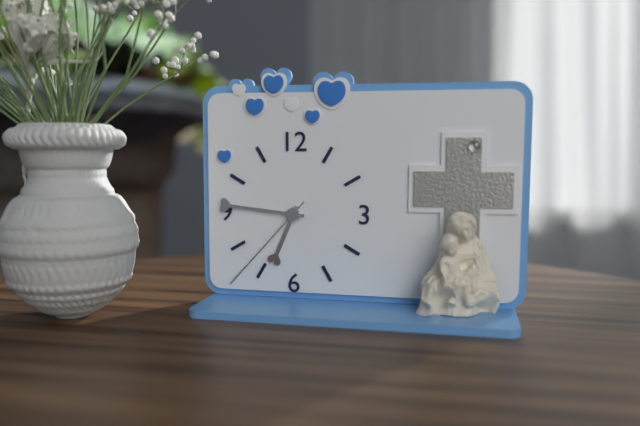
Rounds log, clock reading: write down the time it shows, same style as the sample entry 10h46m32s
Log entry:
6h46m37s
